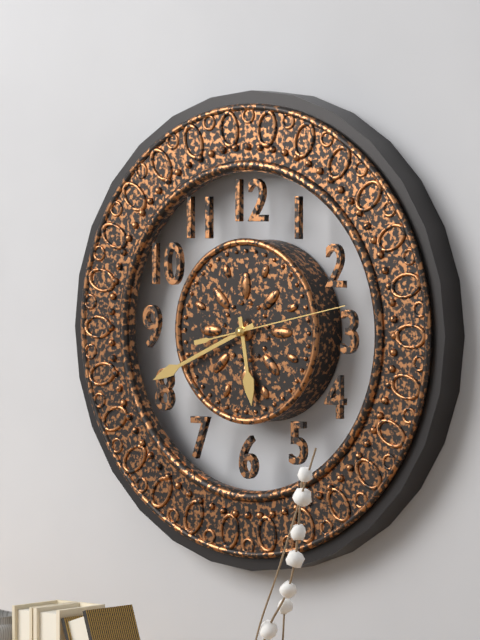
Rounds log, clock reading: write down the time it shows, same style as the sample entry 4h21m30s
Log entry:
5h41m13s
